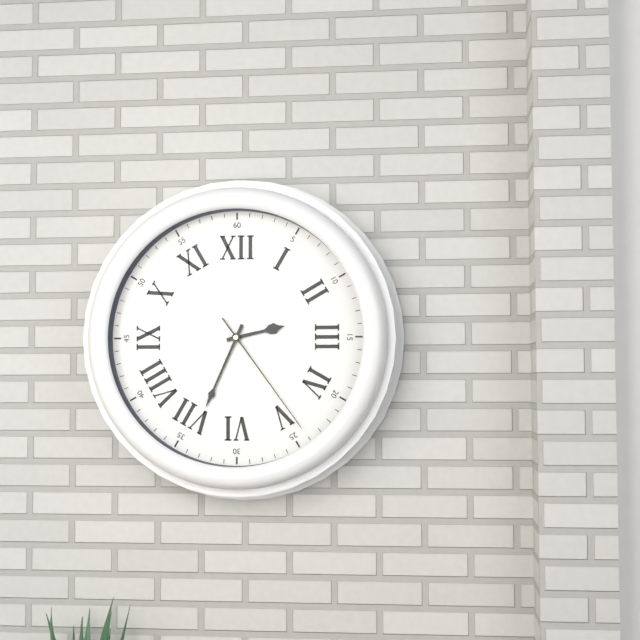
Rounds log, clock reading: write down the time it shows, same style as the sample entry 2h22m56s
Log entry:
2h34m24s
